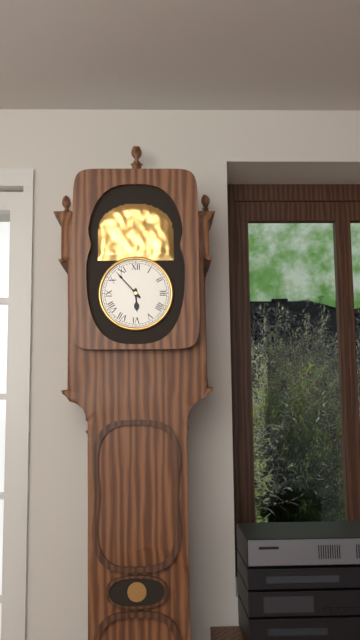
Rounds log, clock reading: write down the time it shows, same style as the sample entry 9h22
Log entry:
5h53
